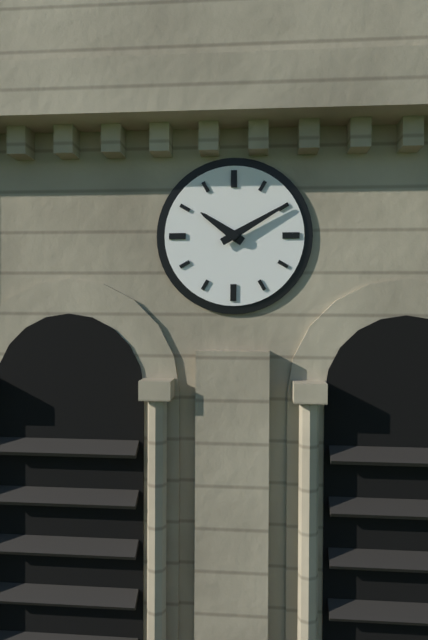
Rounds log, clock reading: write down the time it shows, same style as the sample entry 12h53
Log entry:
10h10
